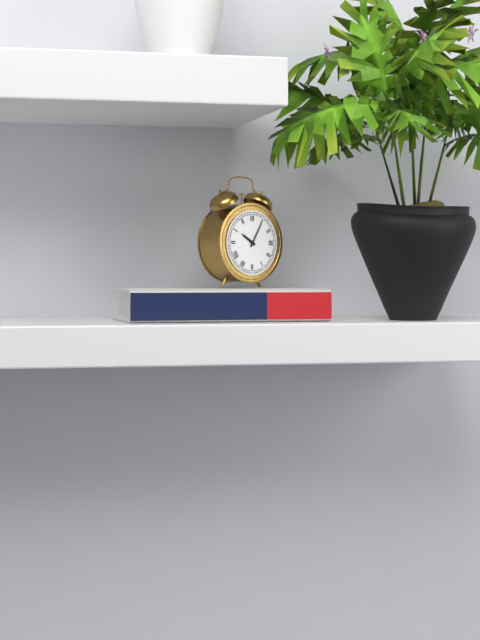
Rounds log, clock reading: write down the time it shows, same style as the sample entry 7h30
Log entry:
10h05
